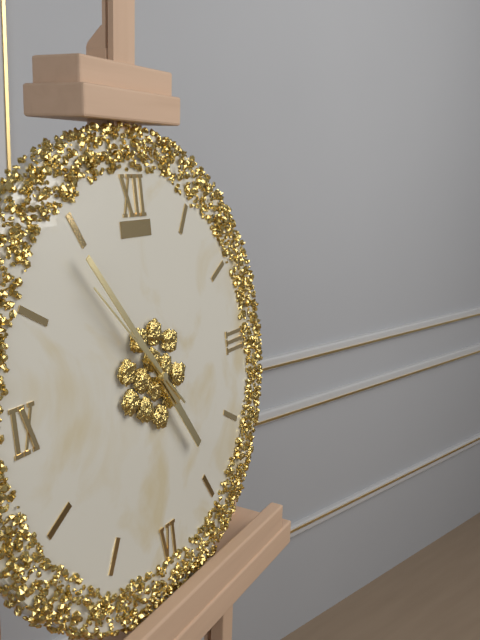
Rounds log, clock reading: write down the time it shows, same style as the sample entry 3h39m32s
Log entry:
4h54m53s
